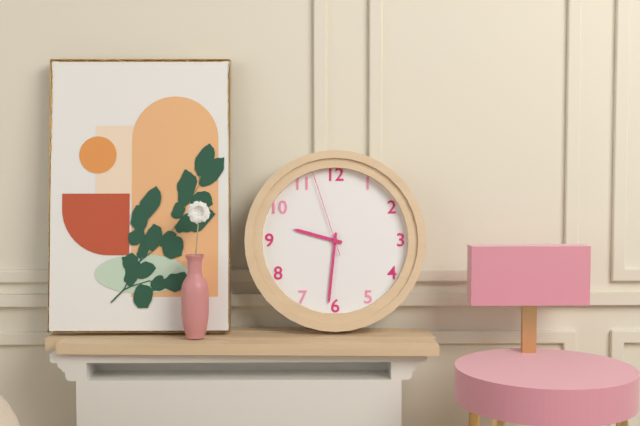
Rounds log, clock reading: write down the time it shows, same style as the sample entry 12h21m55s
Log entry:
9h31m57s
